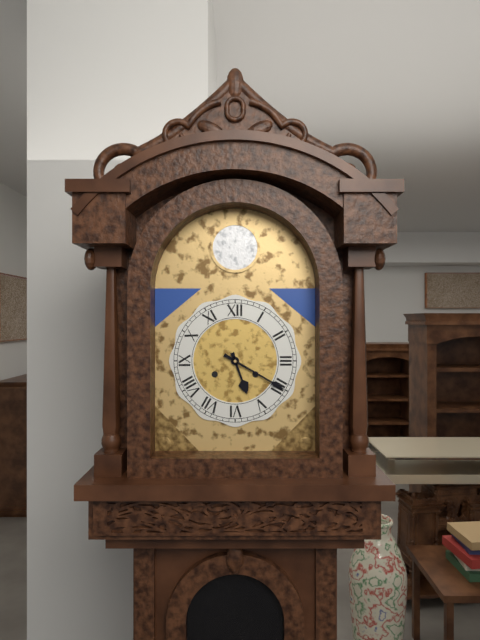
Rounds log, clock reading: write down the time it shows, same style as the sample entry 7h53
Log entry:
5h20
